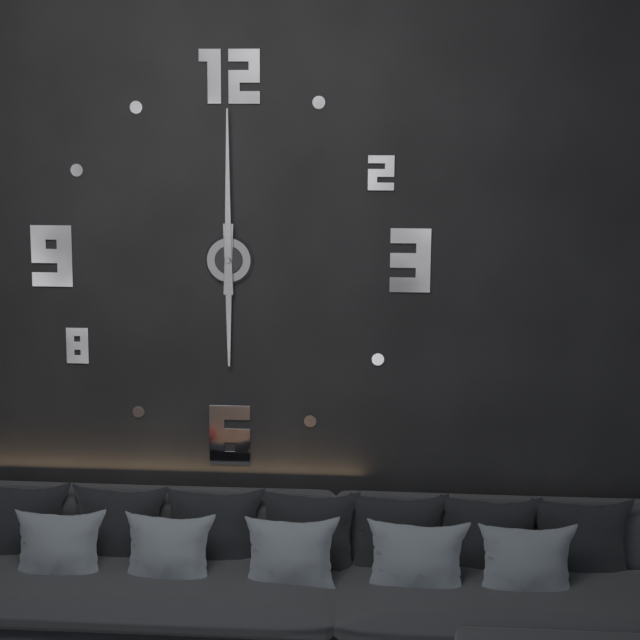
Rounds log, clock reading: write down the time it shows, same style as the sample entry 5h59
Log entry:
6h00
